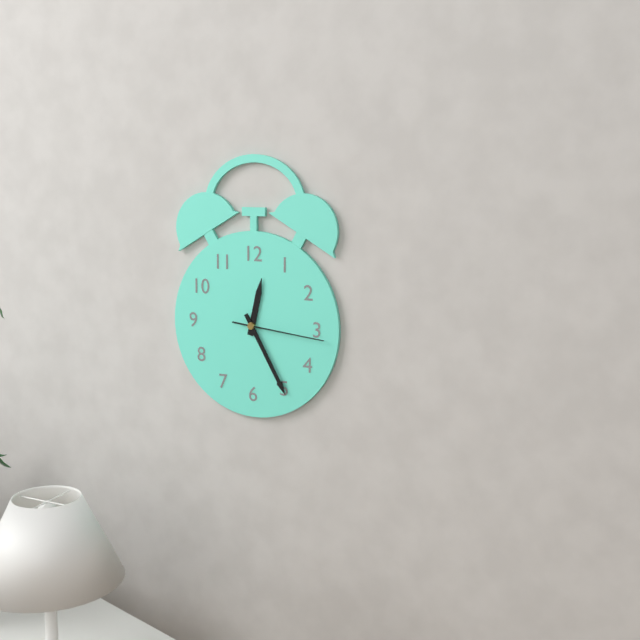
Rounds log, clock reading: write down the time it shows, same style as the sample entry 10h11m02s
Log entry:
12h25m16s
